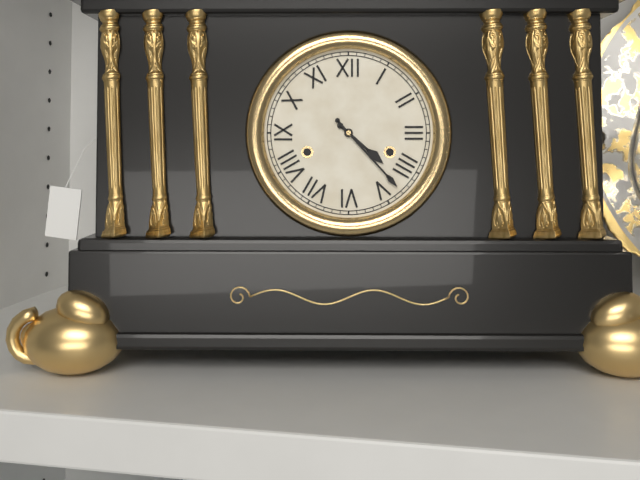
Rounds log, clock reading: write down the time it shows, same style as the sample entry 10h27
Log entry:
4h23
